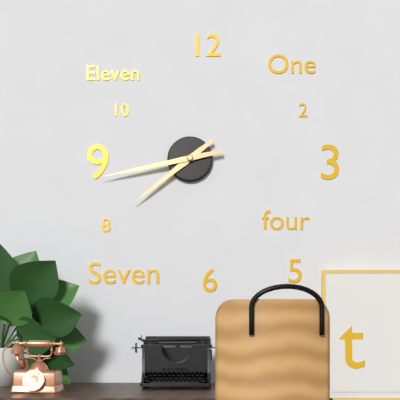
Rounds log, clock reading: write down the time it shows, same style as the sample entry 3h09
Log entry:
7h43
